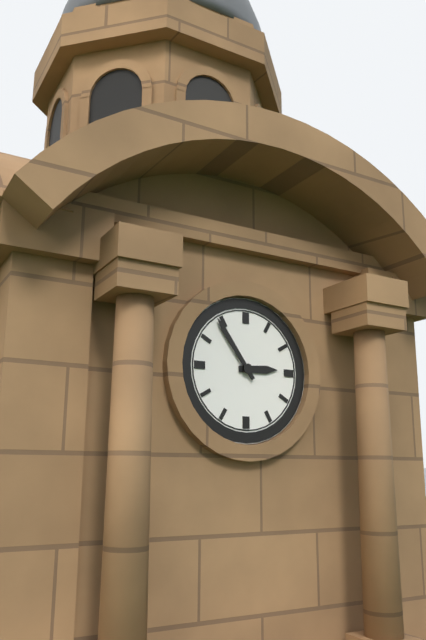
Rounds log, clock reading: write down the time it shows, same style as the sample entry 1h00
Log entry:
2h54
